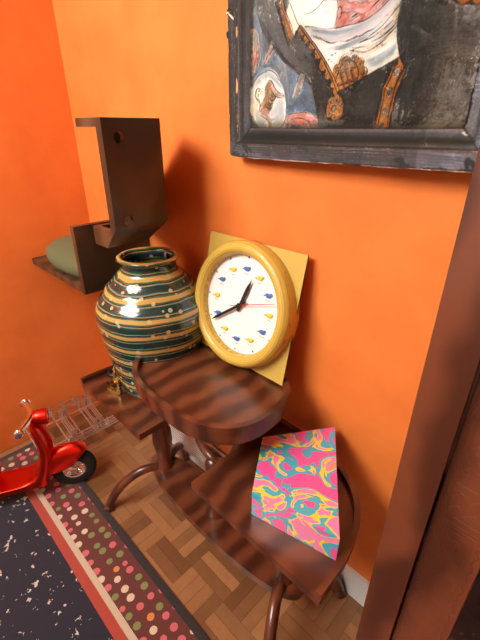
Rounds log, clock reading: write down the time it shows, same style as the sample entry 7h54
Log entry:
12h39
